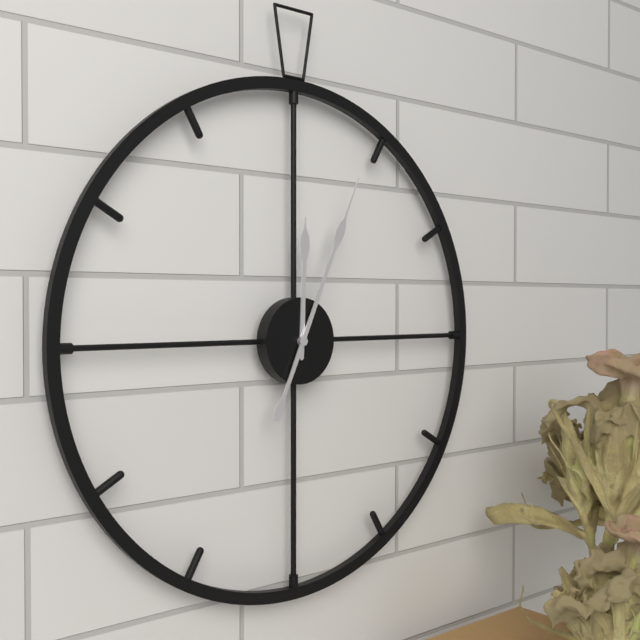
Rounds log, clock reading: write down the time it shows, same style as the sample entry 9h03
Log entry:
12h04
